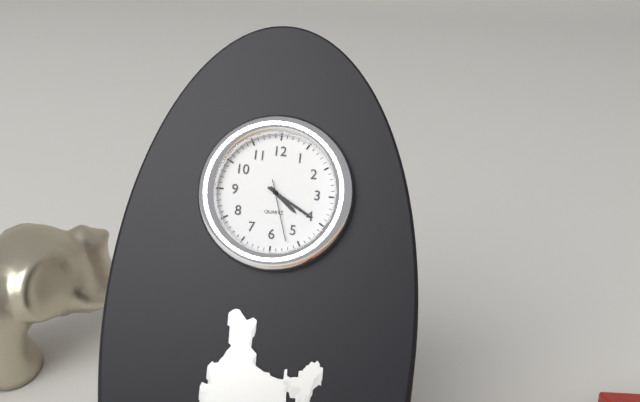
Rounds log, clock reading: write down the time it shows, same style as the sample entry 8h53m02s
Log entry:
4h20m27s
